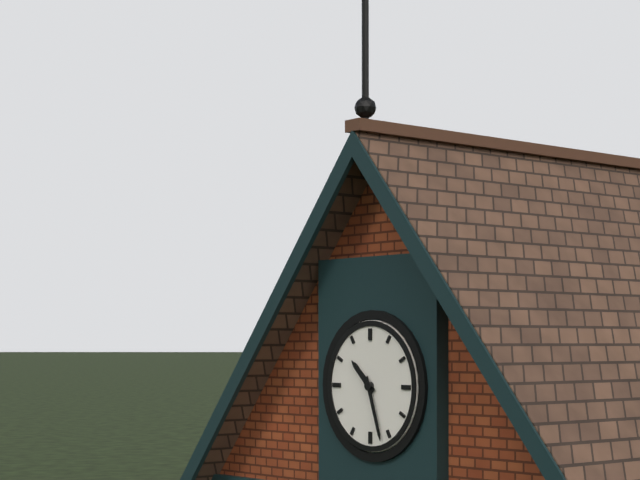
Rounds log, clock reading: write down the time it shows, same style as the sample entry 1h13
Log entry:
10h27
